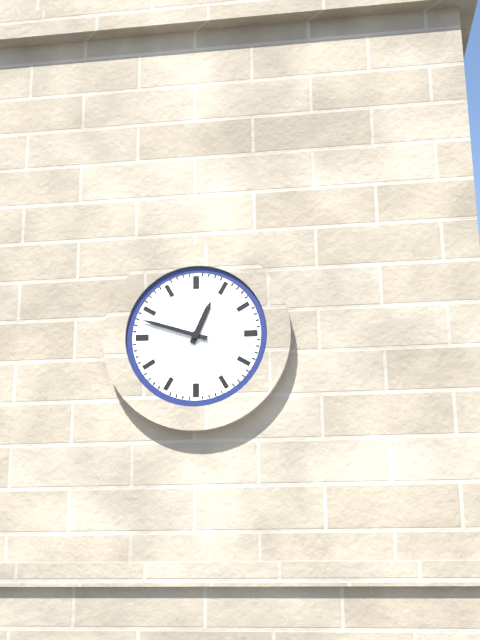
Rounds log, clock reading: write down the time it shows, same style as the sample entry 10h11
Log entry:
12h48
